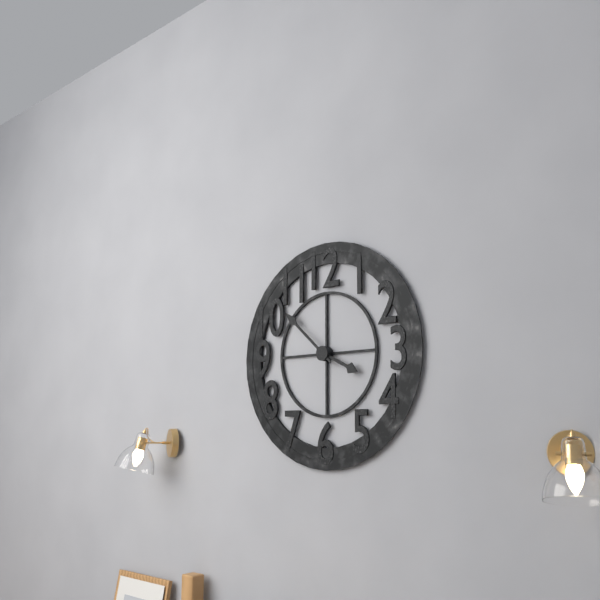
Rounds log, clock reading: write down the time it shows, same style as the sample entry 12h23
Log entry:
3h52
